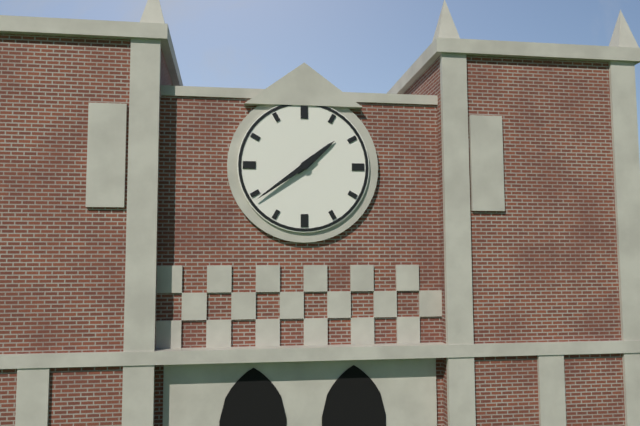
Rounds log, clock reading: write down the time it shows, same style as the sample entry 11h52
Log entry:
1h39
